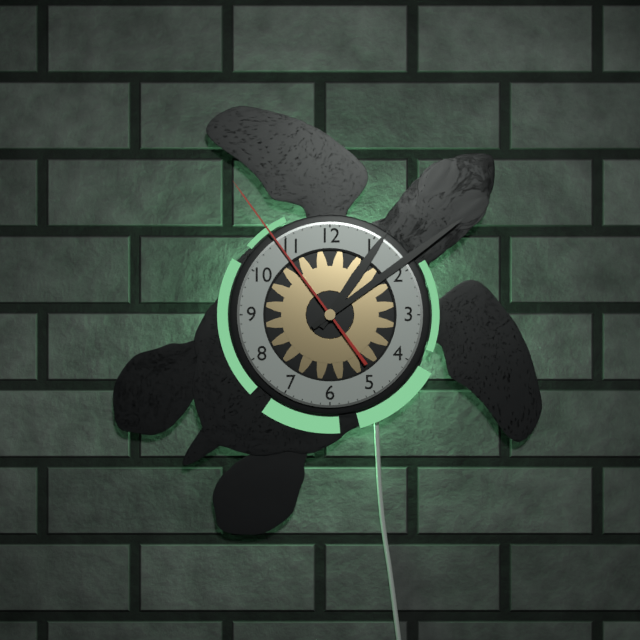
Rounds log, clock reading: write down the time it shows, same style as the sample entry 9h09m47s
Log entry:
1h09m54s
